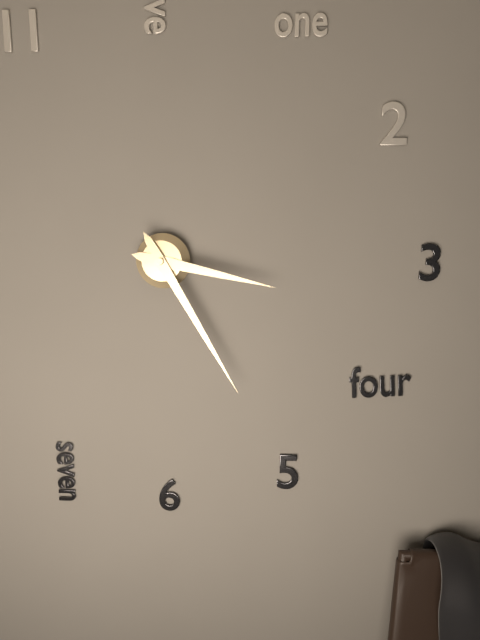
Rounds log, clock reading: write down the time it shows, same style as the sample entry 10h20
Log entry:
3h25
